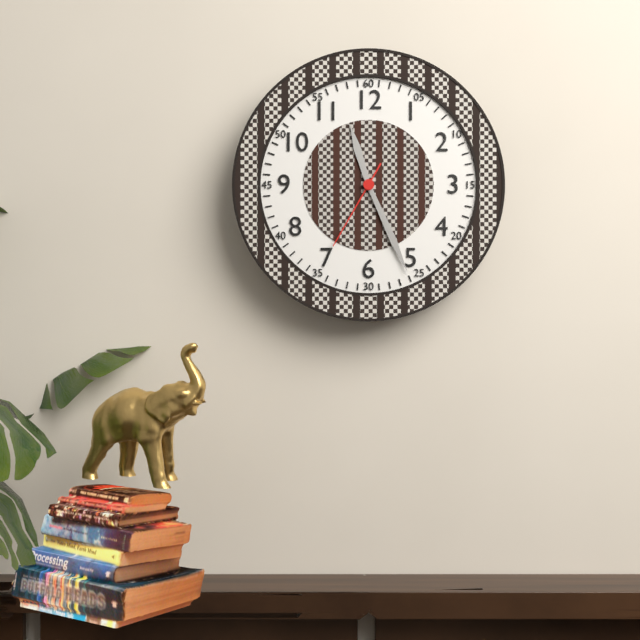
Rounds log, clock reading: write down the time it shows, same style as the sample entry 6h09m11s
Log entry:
11h26m35s
